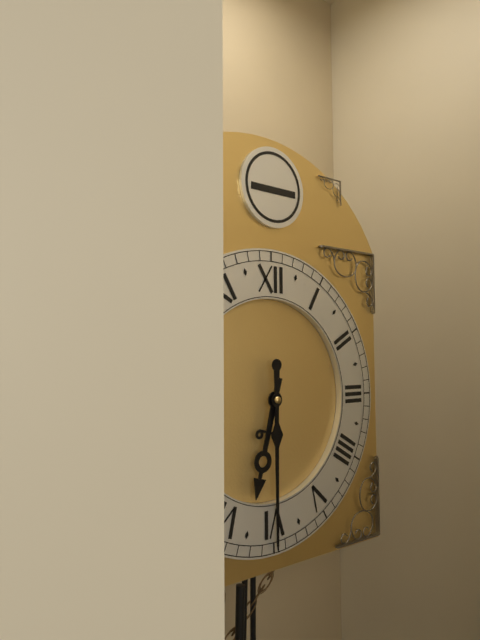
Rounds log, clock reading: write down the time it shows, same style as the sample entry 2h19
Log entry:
6h30
